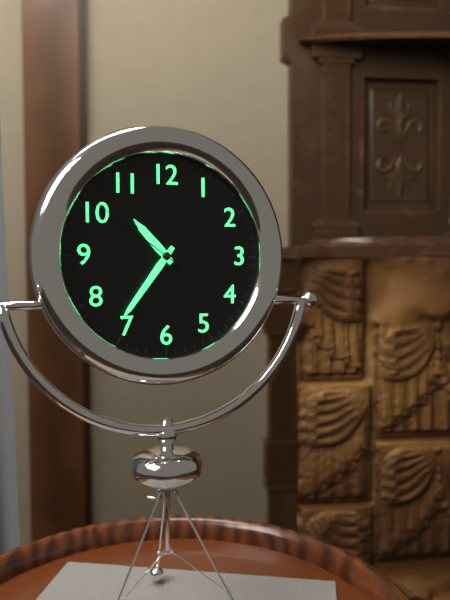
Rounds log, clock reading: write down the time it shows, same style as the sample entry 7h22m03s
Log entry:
10h36m51s
